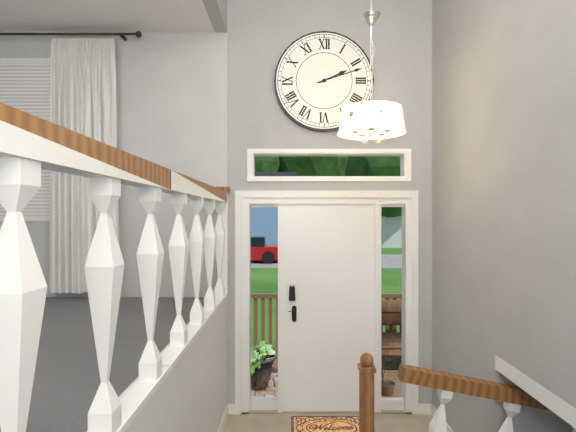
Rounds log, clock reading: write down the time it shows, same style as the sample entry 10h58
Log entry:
2h12
